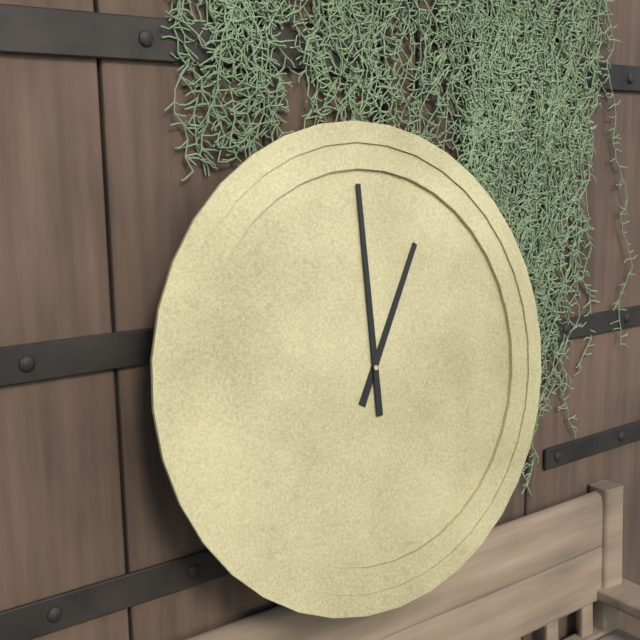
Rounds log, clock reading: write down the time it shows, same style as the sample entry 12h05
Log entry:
1h00
